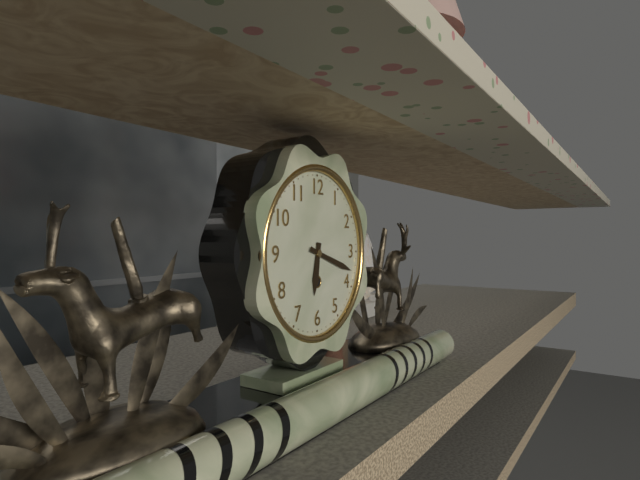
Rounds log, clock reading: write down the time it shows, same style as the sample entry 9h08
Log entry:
6h18
